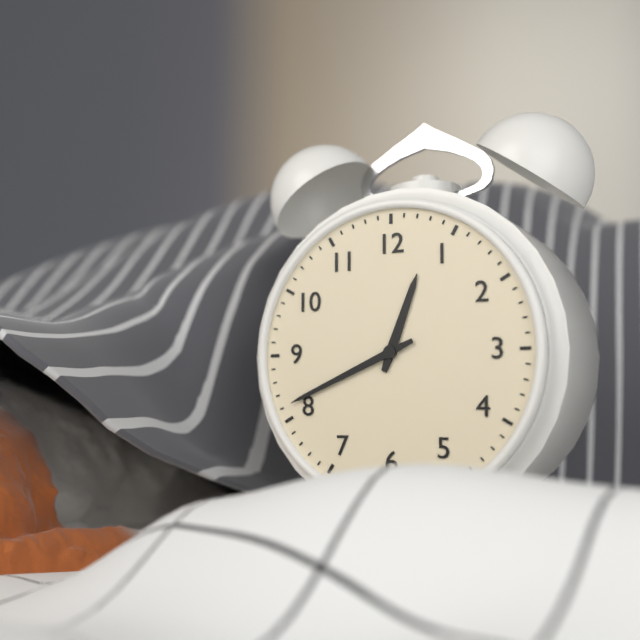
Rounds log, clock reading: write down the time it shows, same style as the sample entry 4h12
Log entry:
12h41
